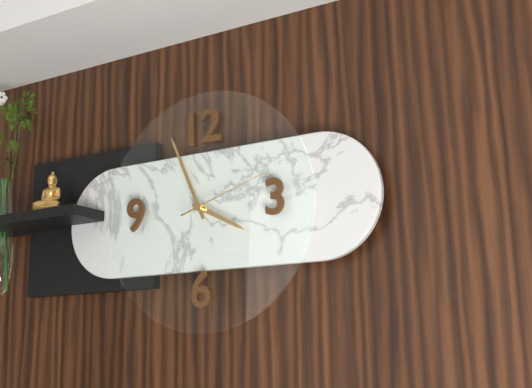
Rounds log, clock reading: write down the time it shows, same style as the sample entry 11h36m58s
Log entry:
3h56m12s
